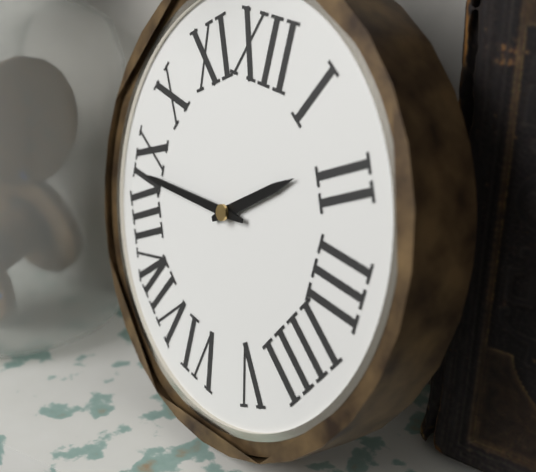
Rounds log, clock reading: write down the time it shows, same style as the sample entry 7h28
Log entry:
1h44
